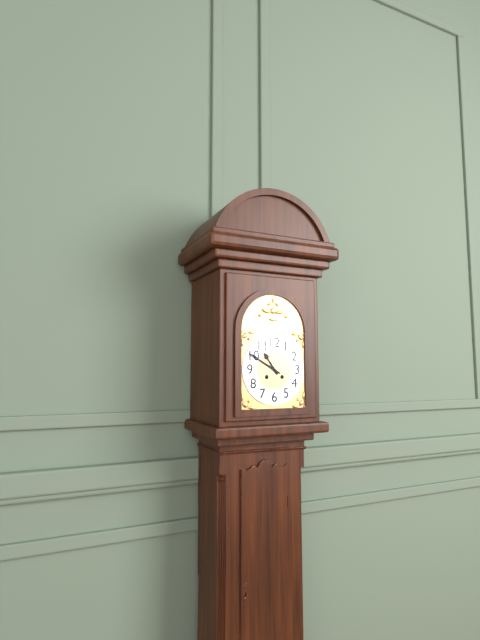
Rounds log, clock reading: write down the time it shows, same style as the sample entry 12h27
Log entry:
10h50
